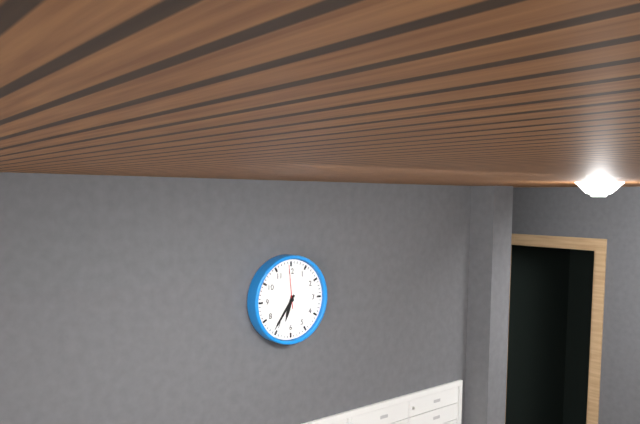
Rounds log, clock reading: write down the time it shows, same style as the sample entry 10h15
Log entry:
6h36
